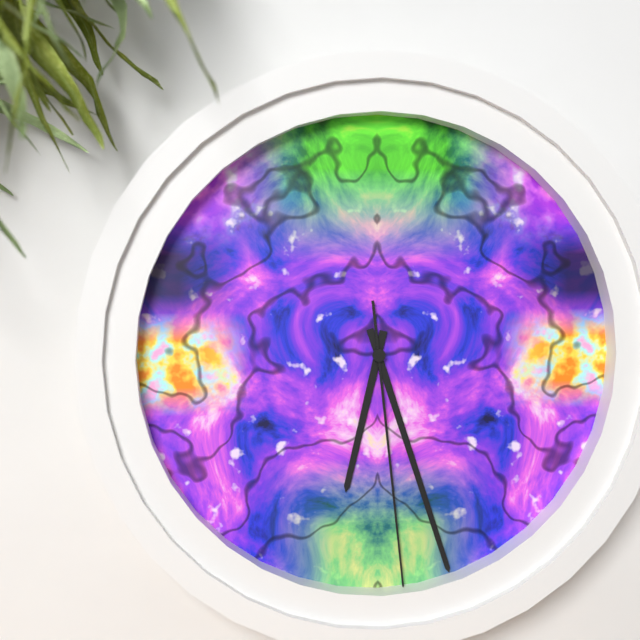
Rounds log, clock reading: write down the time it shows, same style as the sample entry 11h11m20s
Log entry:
6h27m29s
